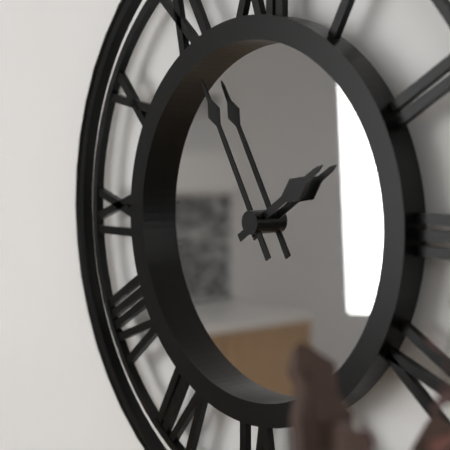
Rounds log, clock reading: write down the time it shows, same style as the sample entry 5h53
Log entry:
1h55
